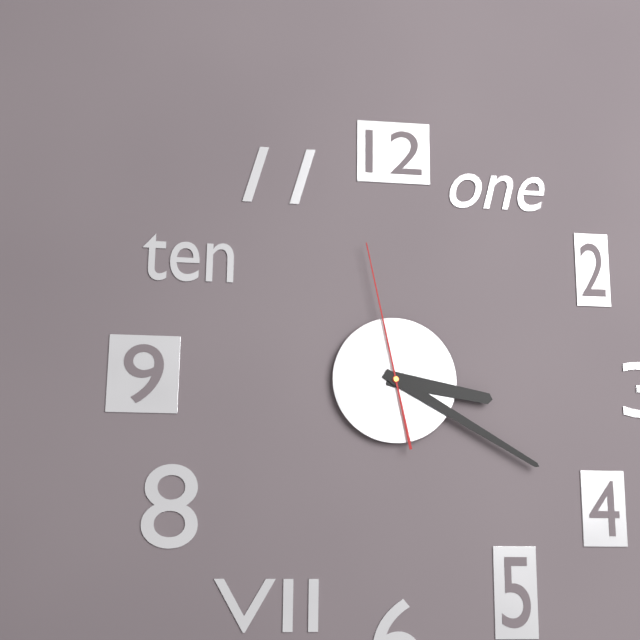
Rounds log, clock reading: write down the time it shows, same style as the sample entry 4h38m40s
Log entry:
3h20m58s
